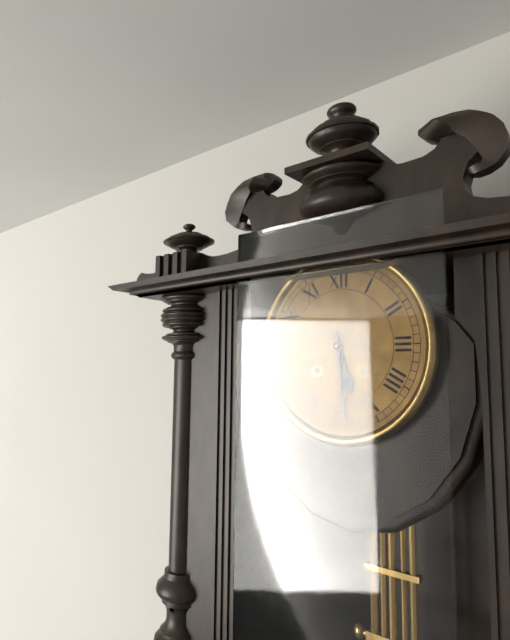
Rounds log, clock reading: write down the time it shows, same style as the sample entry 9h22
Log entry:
5h29
